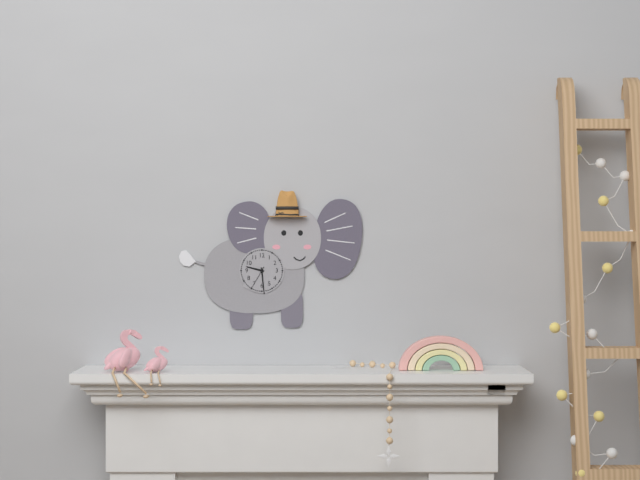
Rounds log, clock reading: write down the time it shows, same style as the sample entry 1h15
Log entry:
9h29
